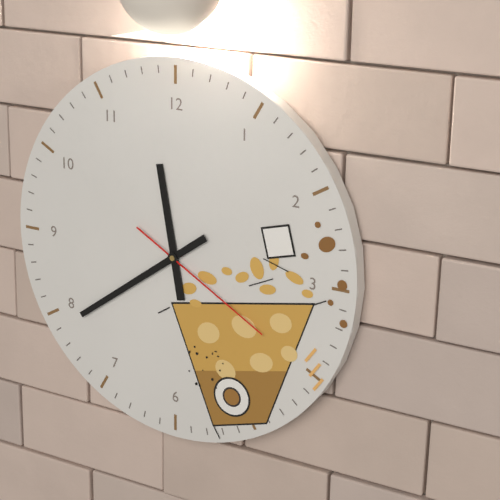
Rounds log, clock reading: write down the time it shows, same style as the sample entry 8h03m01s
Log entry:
11h39m20s
